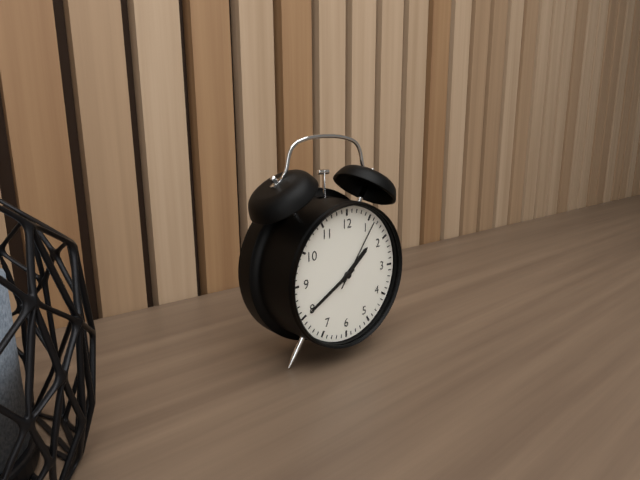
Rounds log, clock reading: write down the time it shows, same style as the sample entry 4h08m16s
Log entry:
1h40m06s
